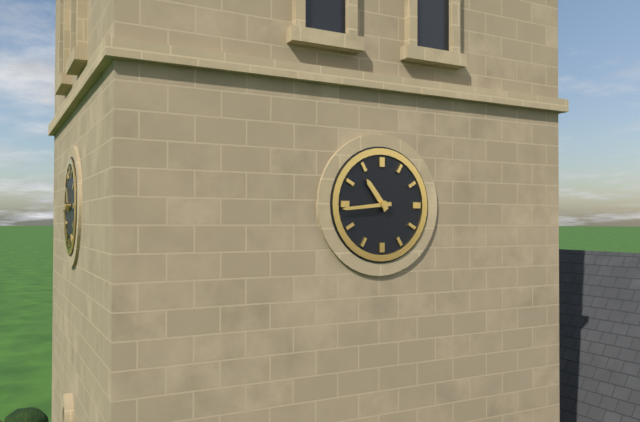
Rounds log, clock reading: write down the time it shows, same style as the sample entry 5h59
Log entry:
10h44
